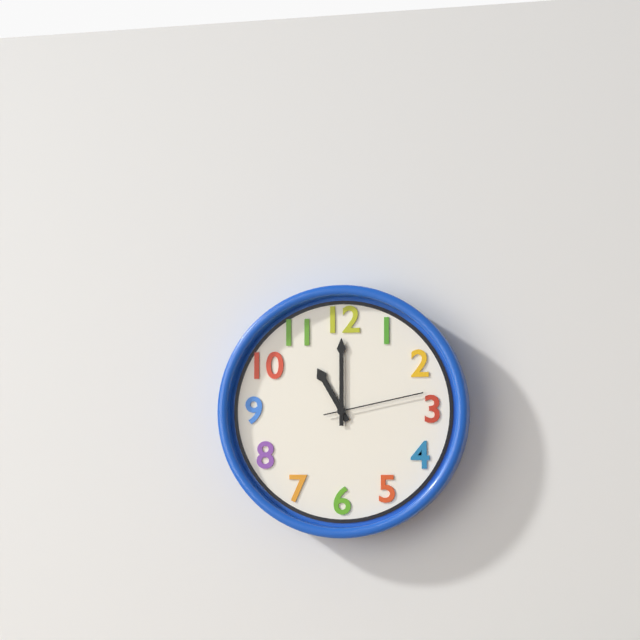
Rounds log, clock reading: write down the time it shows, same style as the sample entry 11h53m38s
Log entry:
11h00m13s
